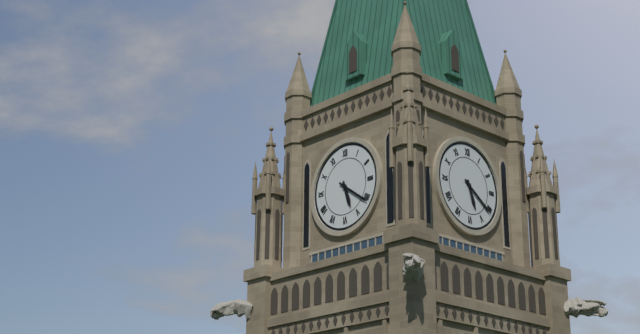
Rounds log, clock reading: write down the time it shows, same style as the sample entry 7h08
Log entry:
5h21
